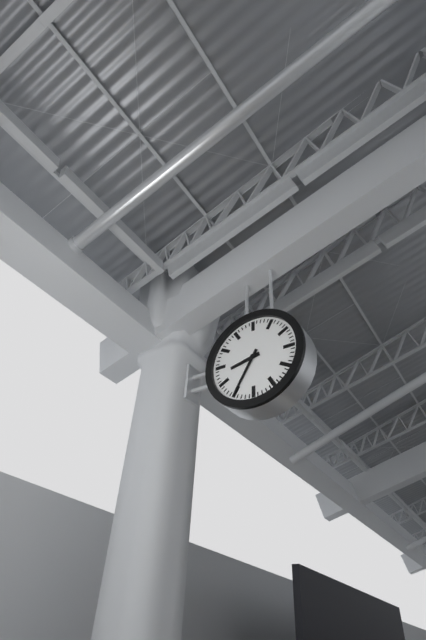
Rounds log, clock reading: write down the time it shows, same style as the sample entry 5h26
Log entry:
8h35
